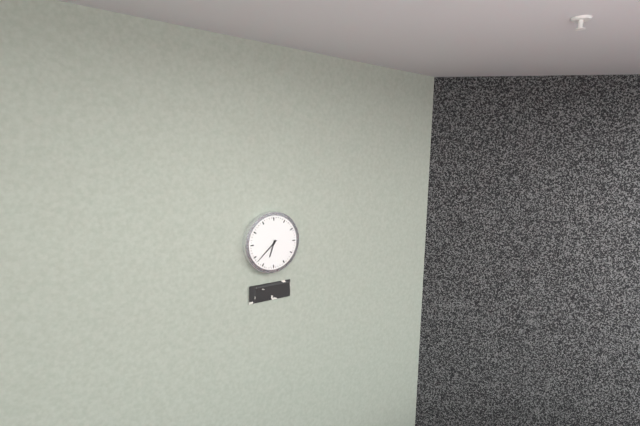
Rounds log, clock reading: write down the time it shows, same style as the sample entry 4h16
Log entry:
6h38
